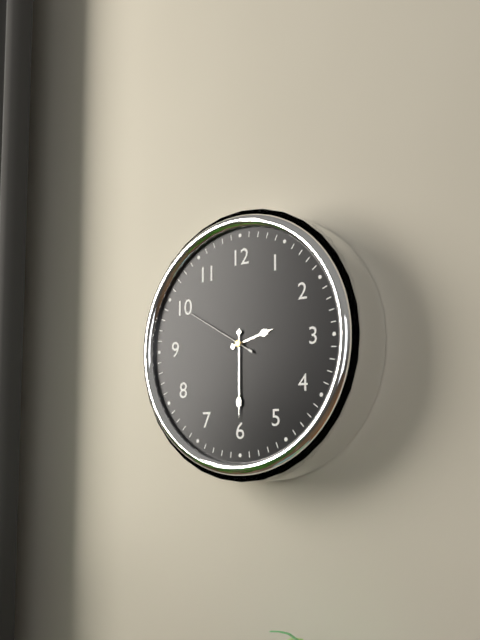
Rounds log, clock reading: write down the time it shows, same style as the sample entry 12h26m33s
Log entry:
2h30m50s
